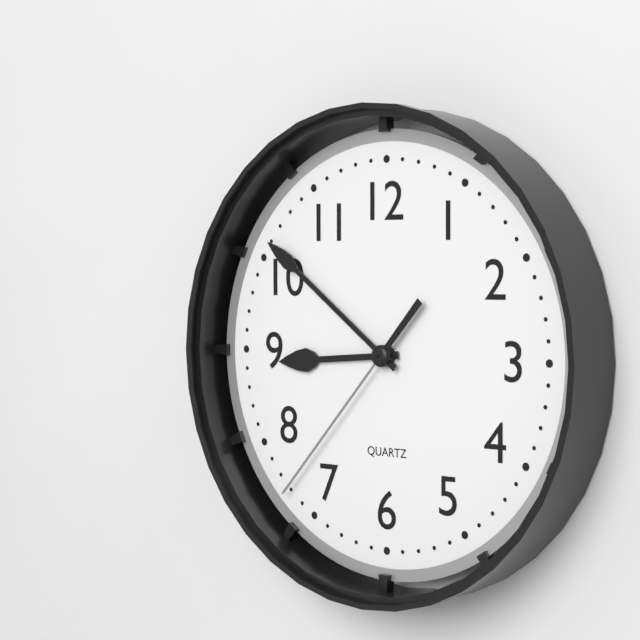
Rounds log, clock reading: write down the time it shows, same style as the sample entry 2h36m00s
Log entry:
8h51m37s
